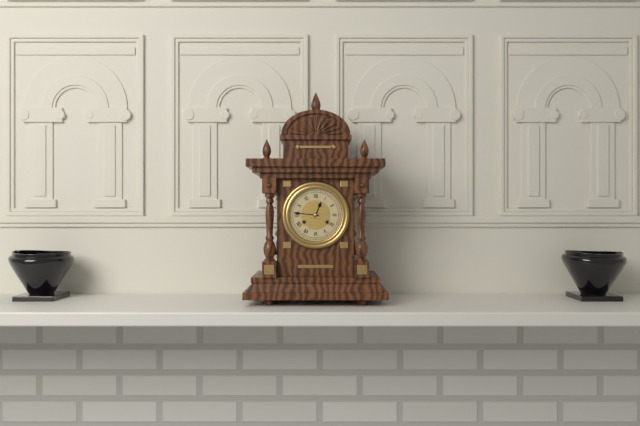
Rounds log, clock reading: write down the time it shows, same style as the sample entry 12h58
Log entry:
12h46
